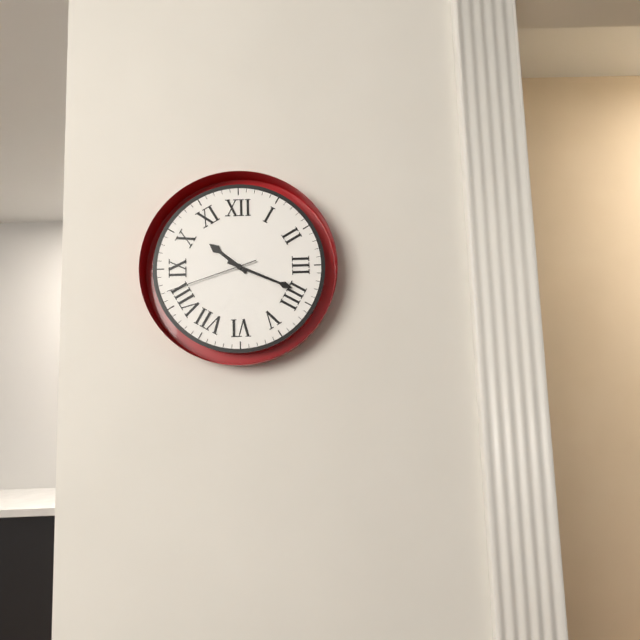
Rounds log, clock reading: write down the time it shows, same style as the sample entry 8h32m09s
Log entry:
10h19m42s
